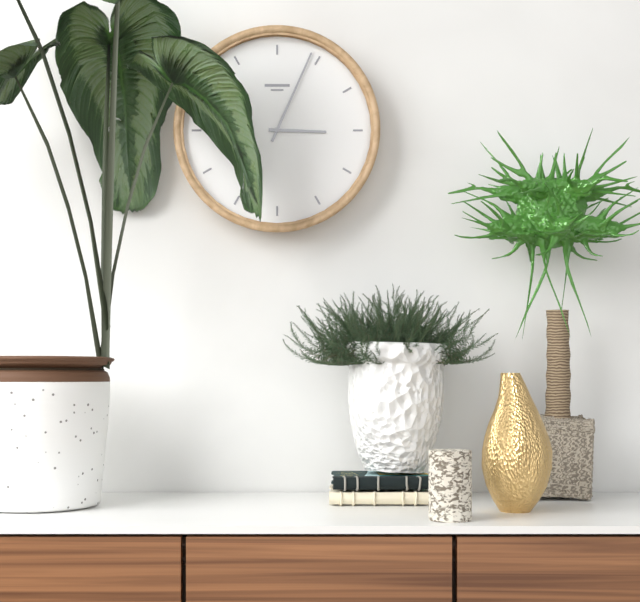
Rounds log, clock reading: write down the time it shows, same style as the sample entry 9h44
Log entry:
3h04
